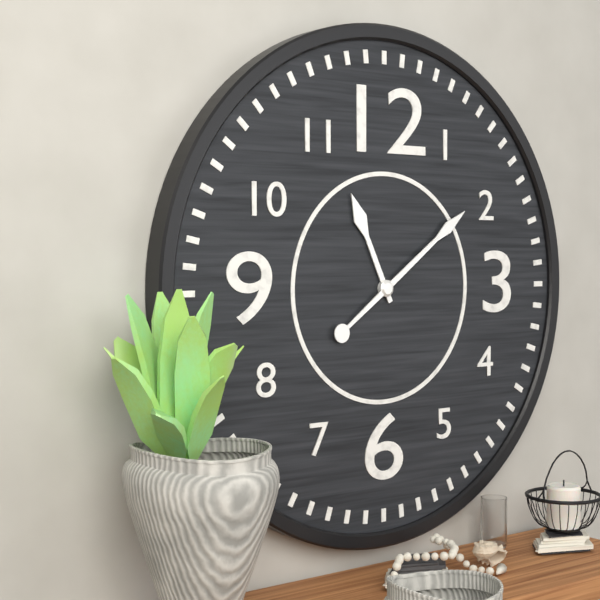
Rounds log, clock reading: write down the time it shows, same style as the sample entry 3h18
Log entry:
11h09
